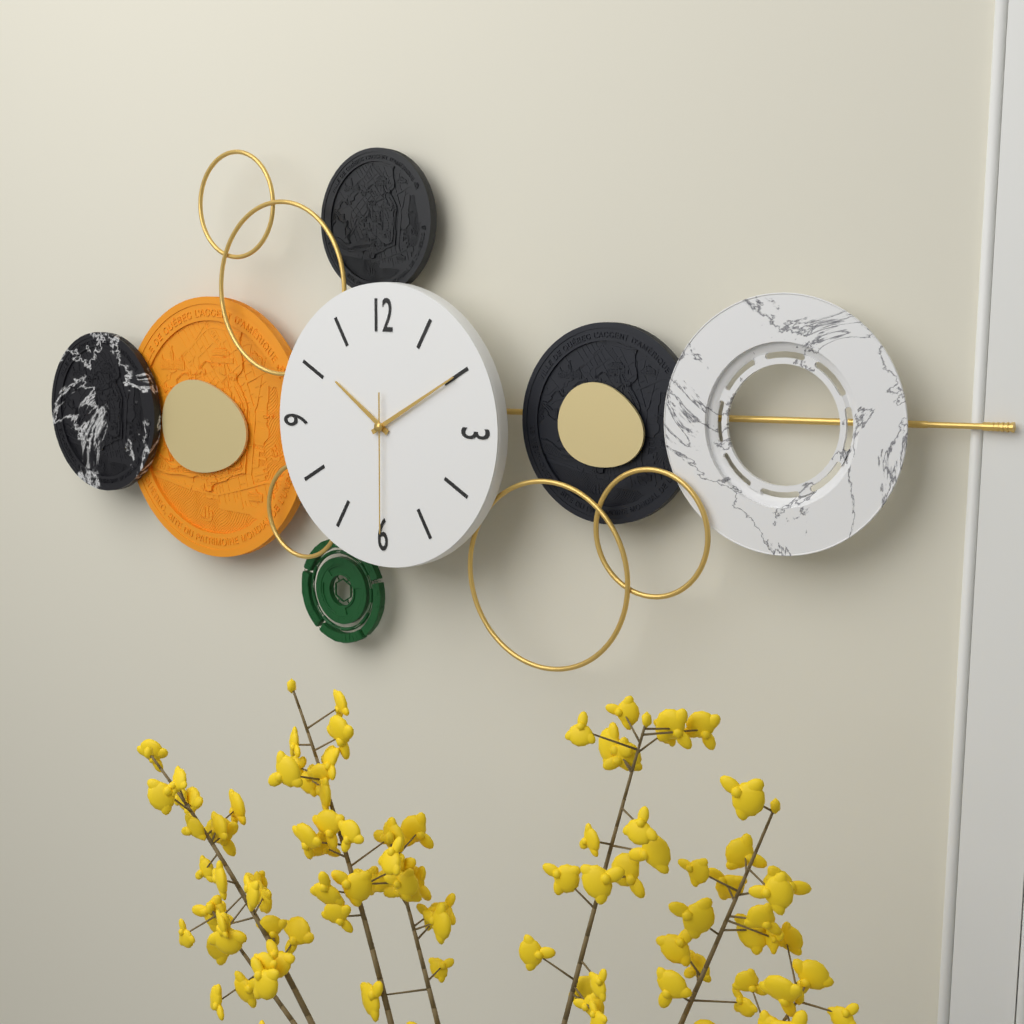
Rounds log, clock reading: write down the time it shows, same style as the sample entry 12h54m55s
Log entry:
10h10m30s
